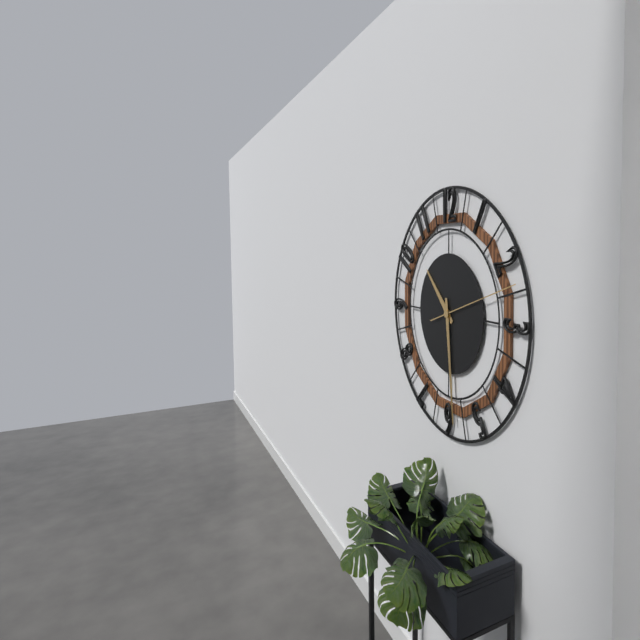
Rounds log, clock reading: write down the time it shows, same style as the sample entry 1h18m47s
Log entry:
10h29m12s
